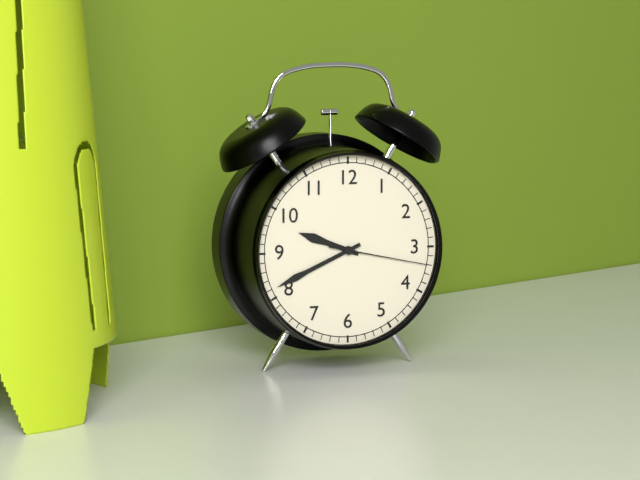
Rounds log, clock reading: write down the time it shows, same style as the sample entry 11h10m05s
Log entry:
9h41m17s
